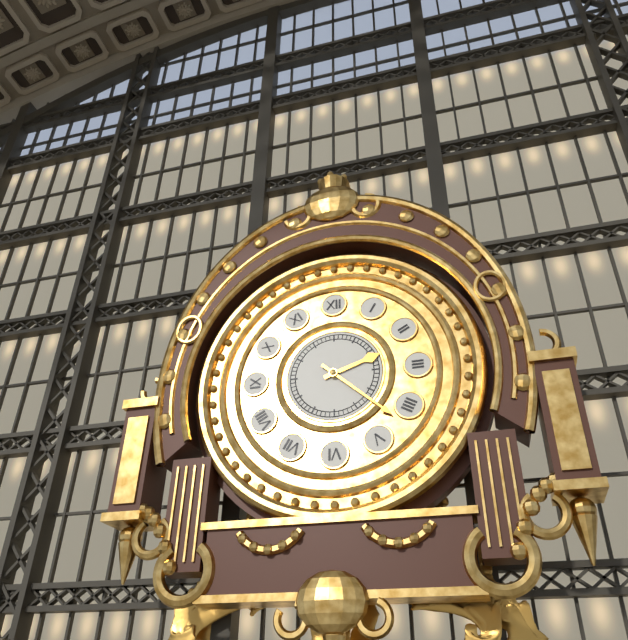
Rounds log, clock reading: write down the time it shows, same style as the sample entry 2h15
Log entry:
2h22
